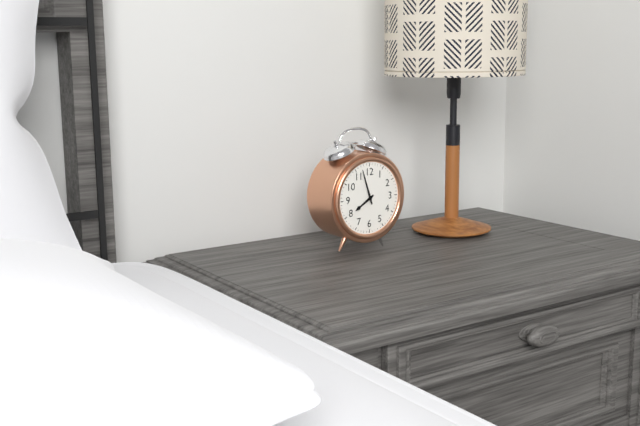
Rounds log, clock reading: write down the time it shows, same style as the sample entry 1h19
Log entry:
7h57
